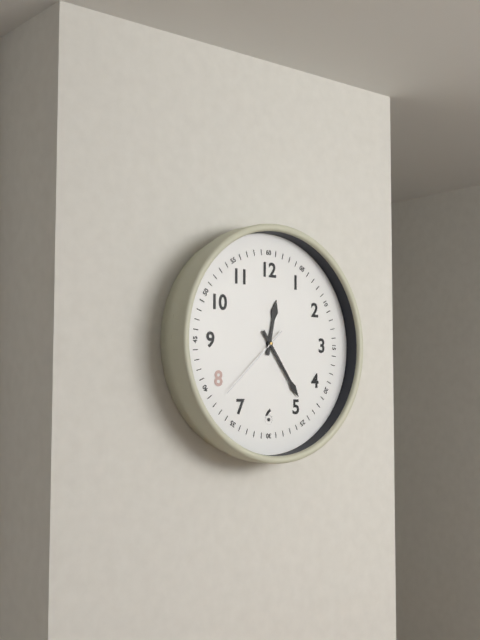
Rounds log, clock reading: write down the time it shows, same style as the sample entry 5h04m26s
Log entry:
12h24m38s
